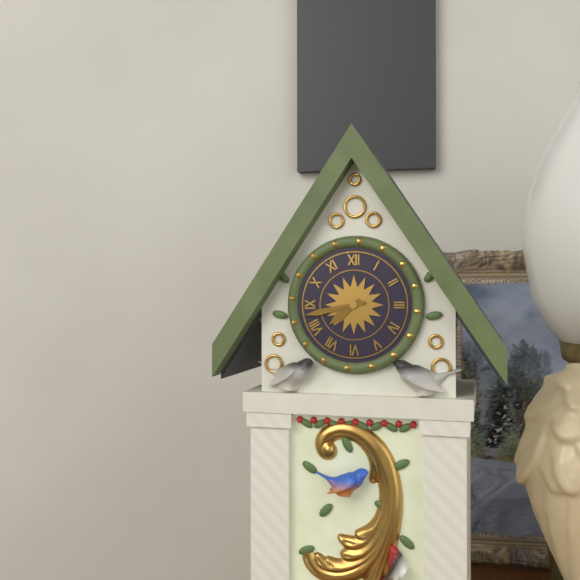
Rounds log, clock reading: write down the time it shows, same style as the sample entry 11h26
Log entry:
7h43
